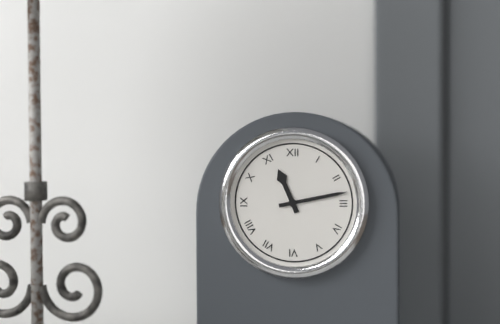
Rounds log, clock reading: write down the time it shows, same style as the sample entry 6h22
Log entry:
11h13
